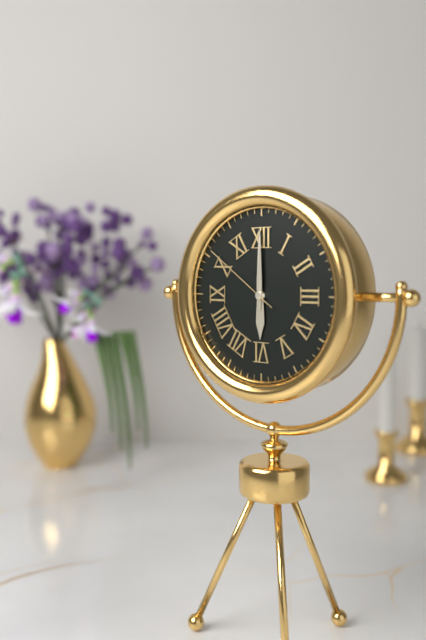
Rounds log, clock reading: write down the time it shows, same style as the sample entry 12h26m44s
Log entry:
6h00m51s
